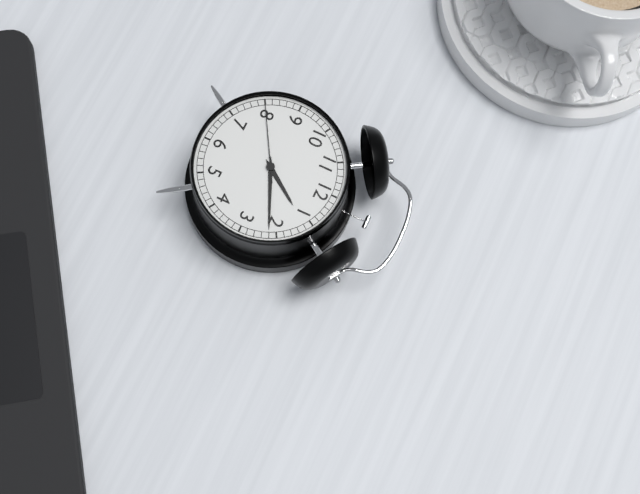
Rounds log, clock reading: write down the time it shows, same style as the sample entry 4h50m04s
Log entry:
1h11m40s
